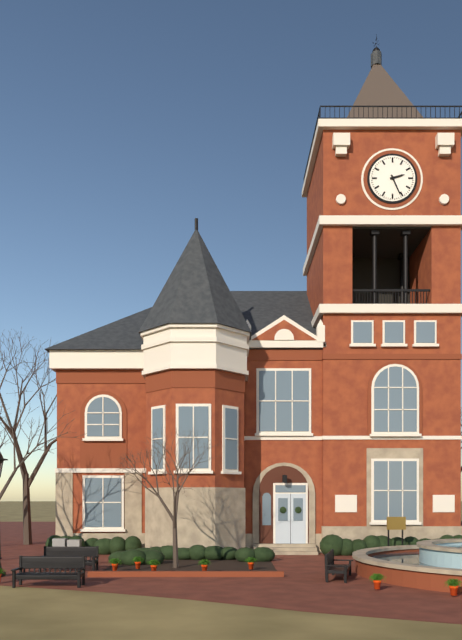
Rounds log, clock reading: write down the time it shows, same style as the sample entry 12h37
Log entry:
2h26
